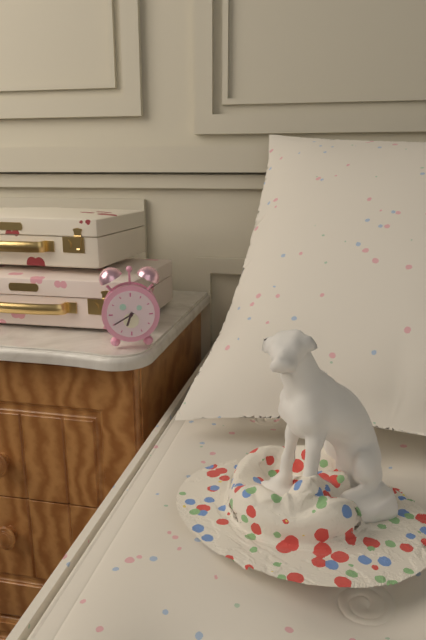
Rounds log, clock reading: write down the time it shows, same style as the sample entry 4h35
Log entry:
6h40
